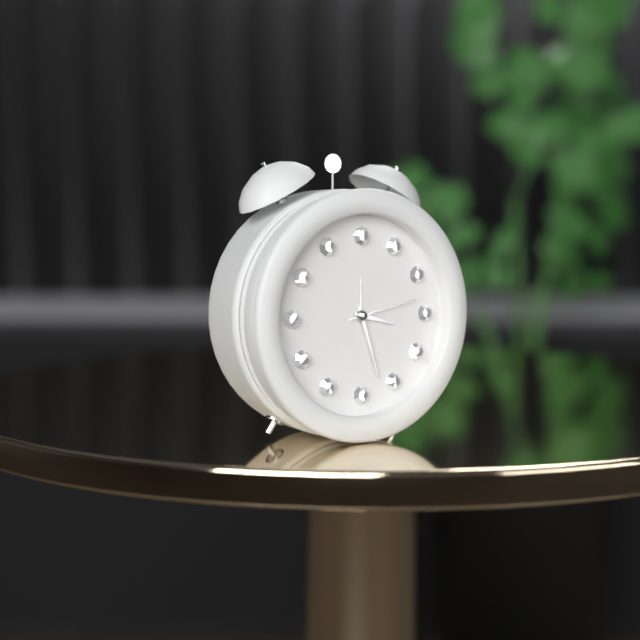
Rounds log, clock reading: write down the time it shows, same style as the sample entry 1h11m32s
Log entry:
3h27m13s
